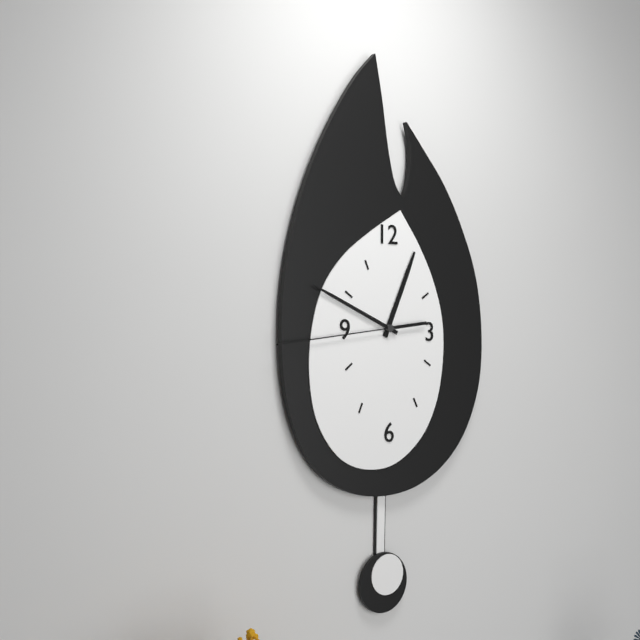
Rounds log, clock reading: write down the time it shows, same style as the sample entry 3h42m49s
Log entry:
12h49m44s
